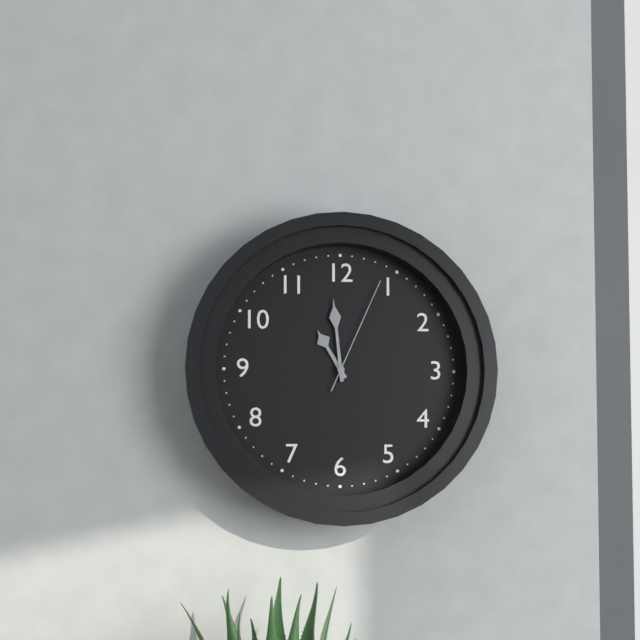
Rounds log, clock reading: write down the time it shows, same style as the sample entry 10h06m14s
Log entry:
10h59m04s
